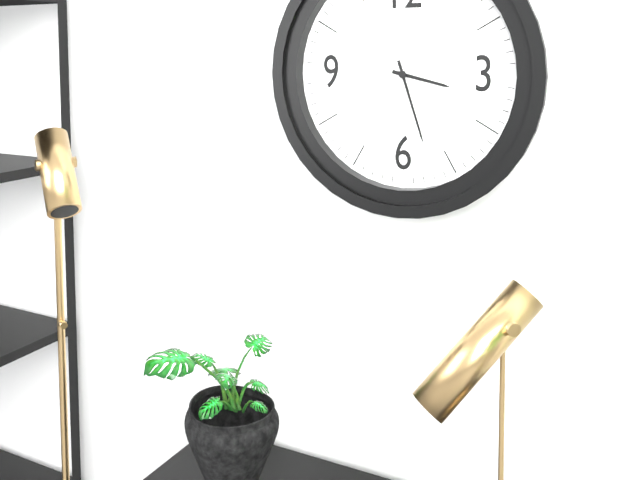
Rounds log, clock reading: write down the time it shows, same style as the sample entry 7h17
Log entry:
3h27
